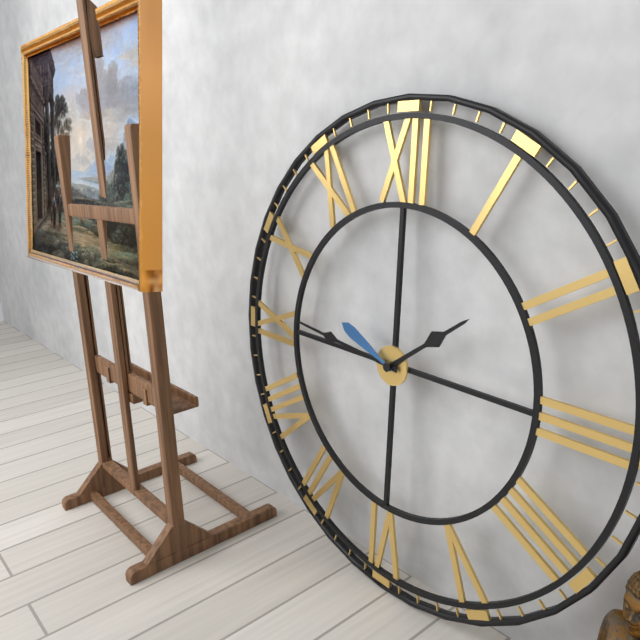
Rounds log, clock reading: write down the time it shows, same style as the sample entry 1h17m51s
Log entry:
1h46m49s
